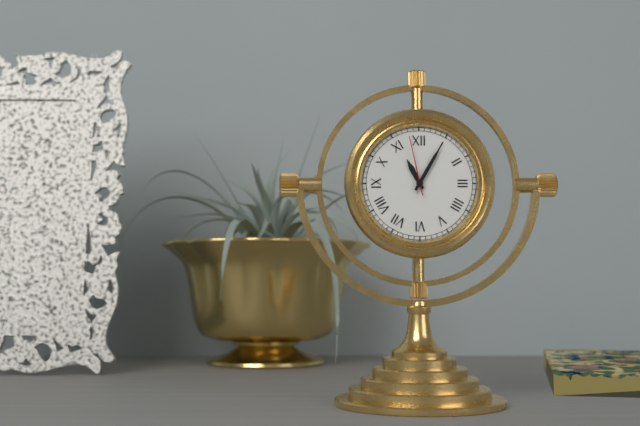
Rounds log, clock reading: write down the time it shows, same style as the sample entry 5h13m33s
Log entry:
11h05m58s
